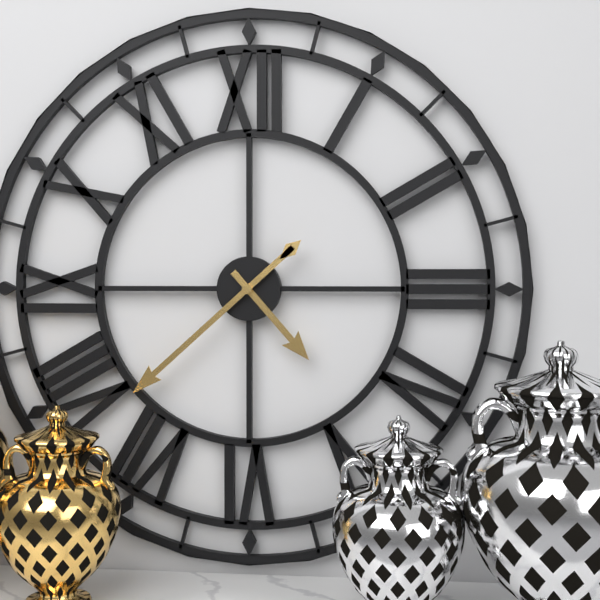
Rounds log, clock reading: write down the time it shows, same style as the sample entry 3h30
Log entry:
4h38
